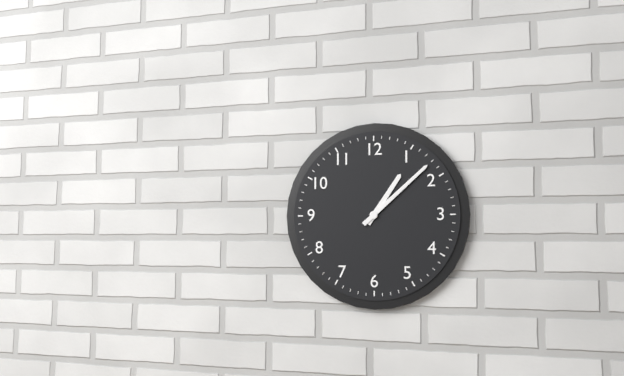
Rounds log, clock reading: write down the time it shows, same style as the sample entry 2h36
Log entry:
1h08
